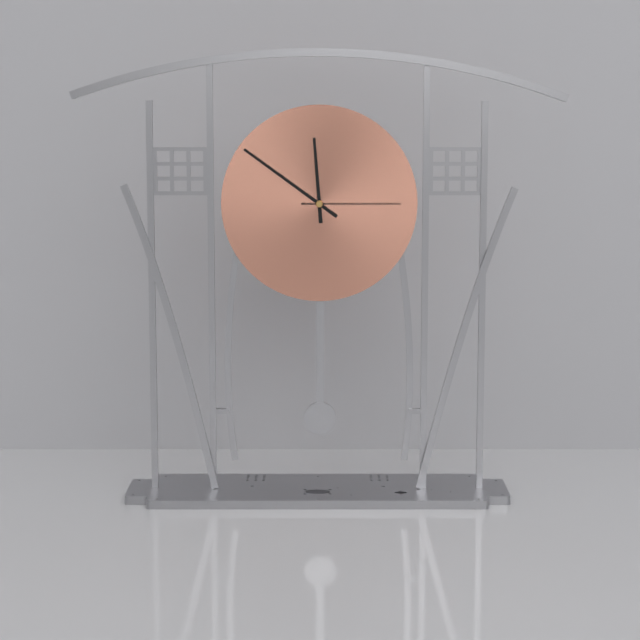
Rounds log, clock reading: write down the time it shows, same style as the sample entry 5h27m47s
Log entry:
11h51m15s
